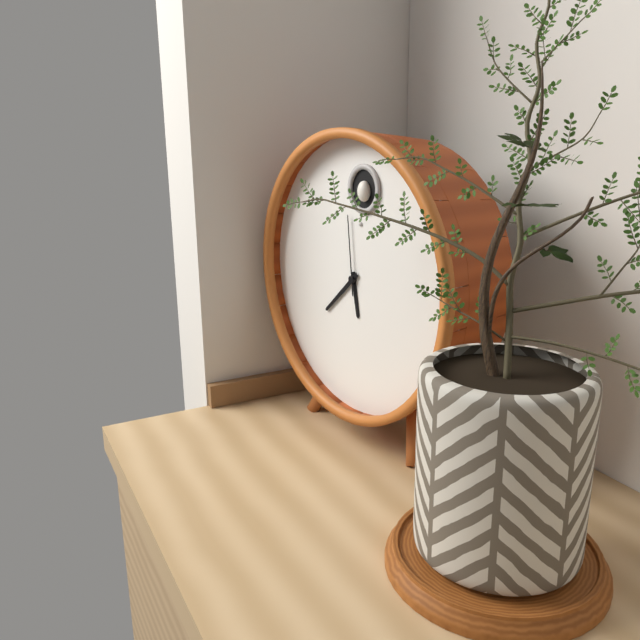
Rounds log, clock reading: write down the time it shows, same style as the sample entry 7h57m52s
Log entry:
5h38m59s
